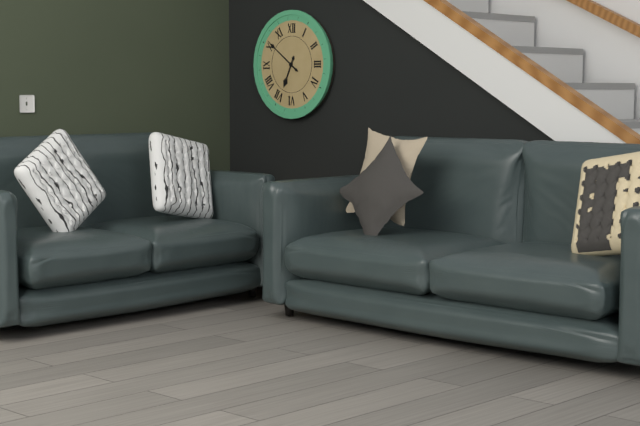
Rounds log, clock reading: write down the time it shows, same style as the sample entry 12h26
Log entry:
6h51
